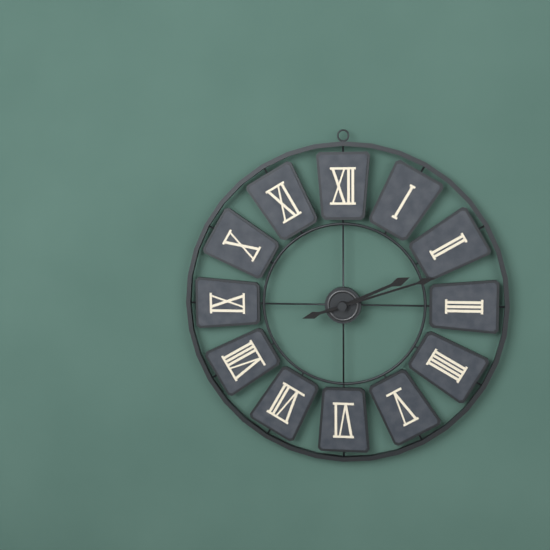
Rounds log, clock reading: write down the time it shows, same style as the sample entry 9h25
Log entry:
2h12
